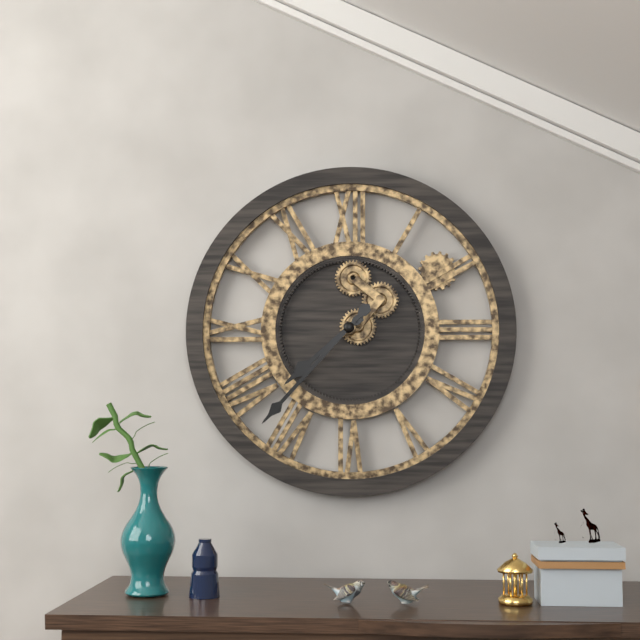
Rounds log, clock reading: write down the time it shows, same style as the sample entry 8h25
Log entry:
7h37
